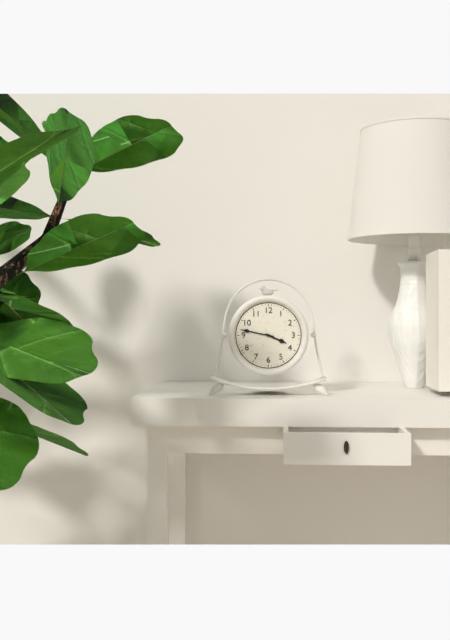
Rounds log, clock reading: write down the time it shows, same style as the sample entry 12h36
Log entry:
3h47
